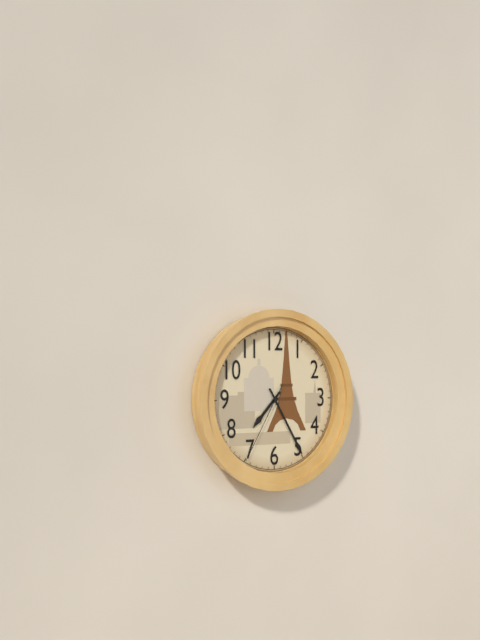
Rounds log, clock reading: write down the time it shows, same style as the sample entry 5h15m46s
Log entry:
7h25m35s
